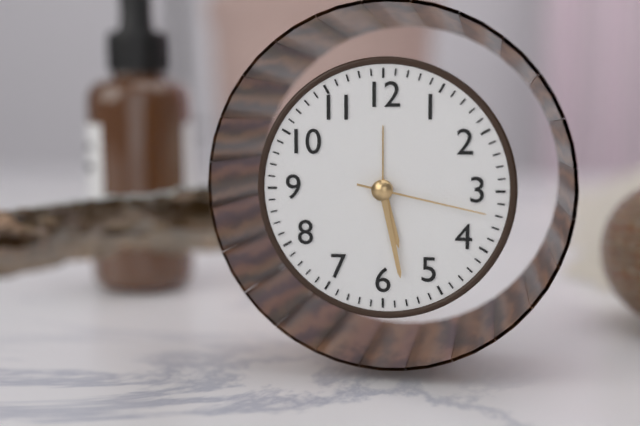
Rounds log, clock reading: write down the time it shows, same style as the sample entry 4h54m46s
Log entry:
5h28m17s
